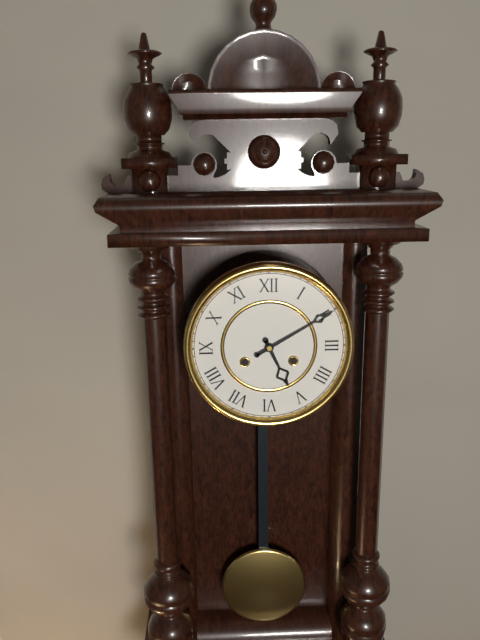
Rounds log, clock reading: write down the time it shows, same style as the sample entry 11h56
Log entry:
5h10
